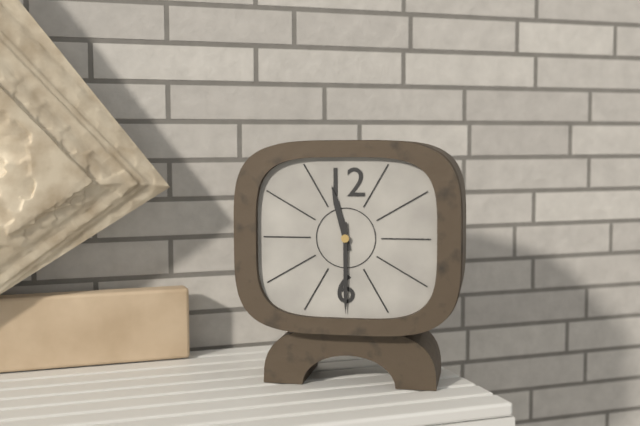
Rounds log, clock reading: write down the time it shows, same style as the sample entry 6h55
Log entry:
11h30
